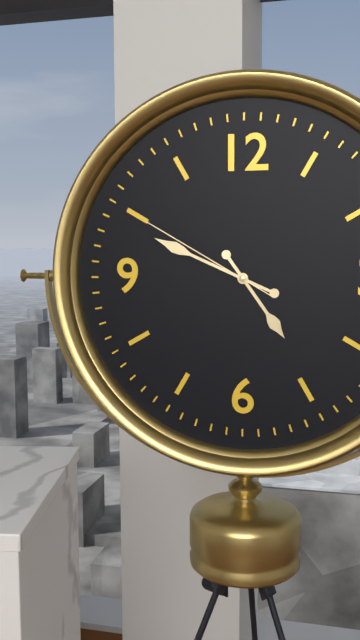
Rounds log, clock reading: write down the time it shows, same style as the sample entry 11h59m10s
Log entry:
4h49m50s
